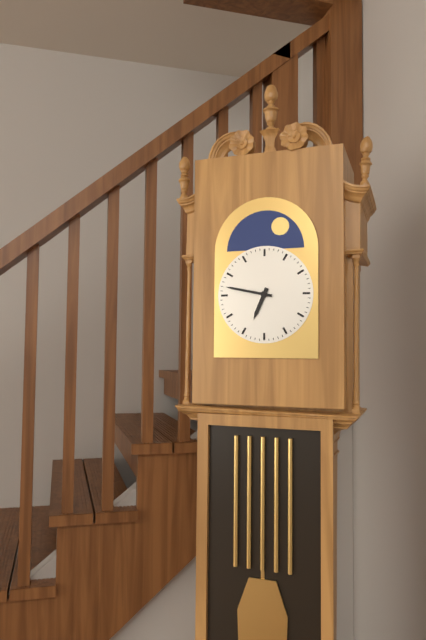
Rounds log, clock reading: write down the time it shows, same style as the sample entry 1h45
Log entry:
6h47
